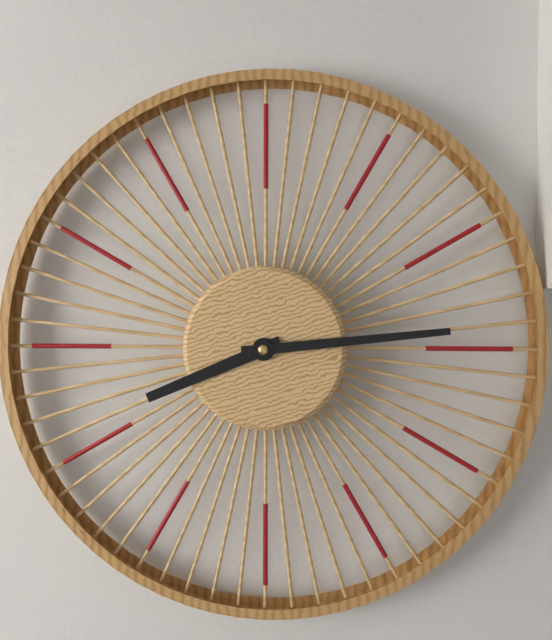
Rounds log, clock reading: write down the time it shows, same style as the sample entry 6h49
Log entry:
8h14
